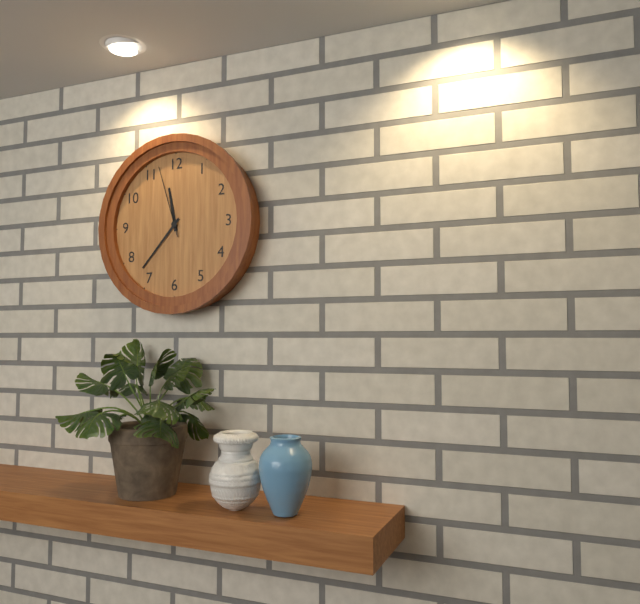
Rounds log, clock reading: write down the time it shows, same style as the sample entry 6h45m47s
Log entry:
11h37m57s
